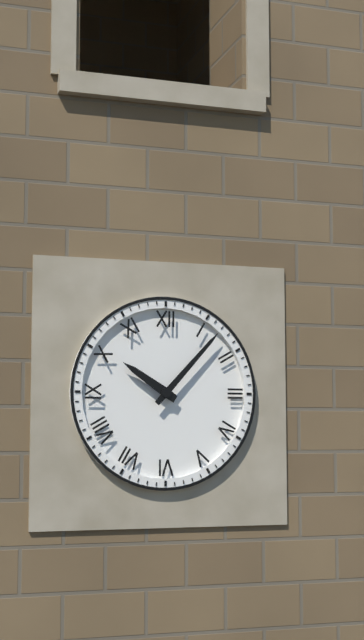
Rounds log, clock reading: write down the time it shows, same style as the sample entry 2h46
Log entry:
10h07
